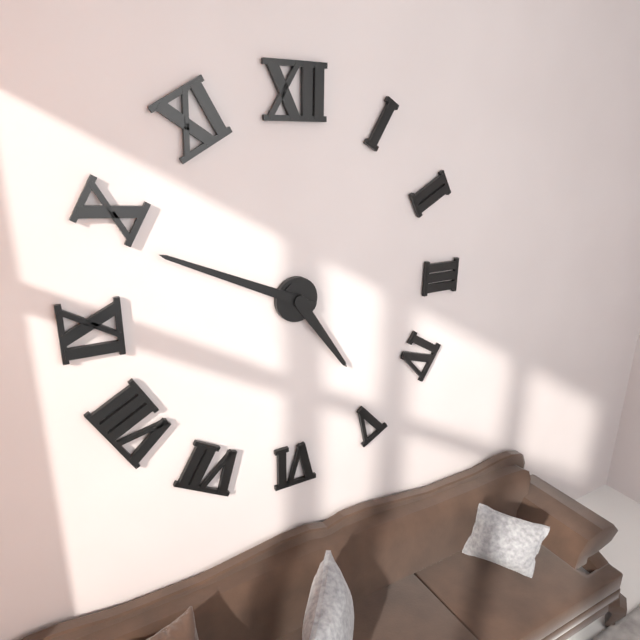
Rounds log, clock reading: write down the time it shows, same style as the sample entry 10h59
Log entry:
4h49
